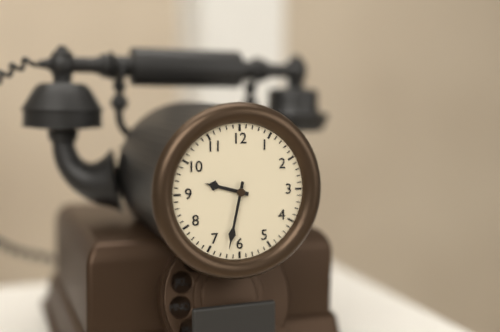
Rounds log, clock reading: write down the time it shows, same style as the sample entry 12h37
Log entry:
9h32
